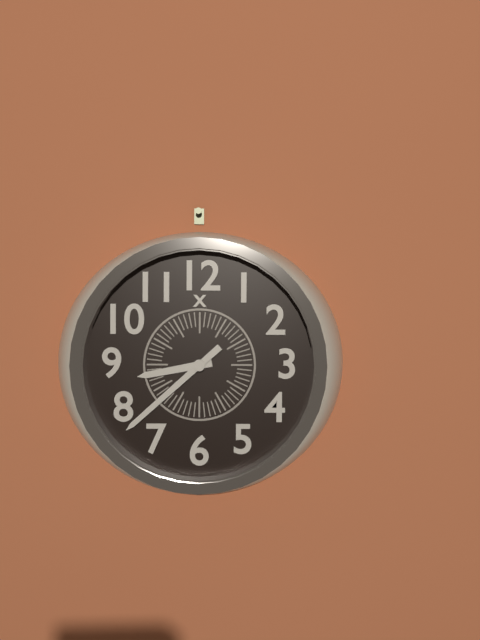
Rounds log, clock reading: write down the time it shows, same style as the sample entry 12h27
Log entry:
8h38
